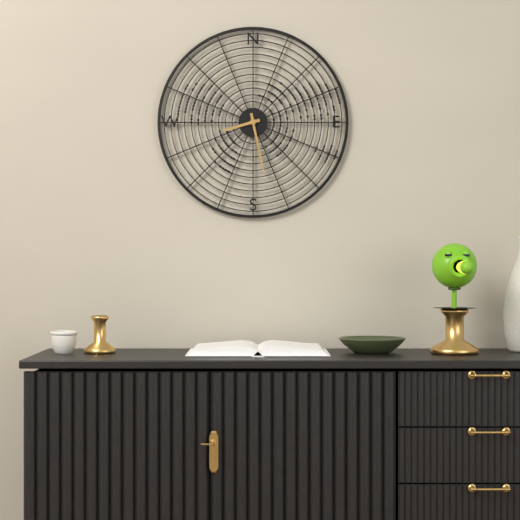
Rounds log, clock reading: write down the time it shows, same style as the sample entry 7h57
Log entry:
8h28
